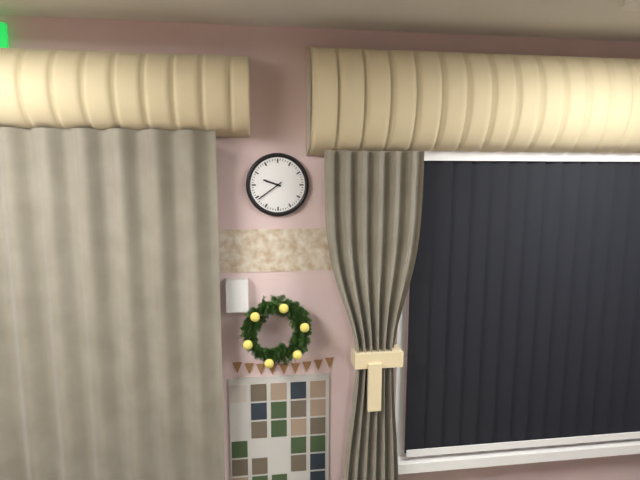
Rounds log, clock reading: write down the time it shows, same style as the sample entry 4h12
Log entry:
9h39
